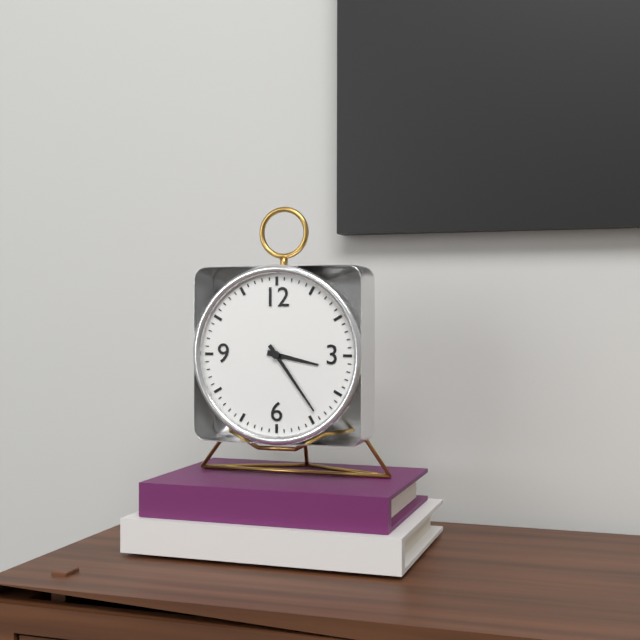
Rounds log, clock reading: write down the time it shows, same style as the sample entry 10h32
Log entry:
3h24
